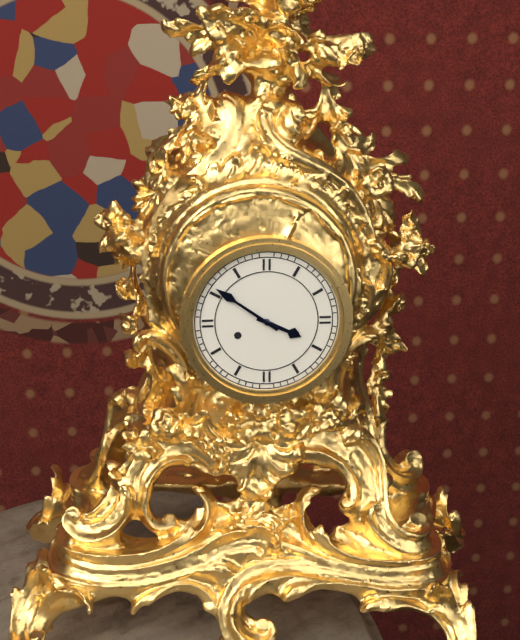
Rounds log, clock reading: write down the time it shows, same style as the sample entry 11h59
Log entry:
3h51
